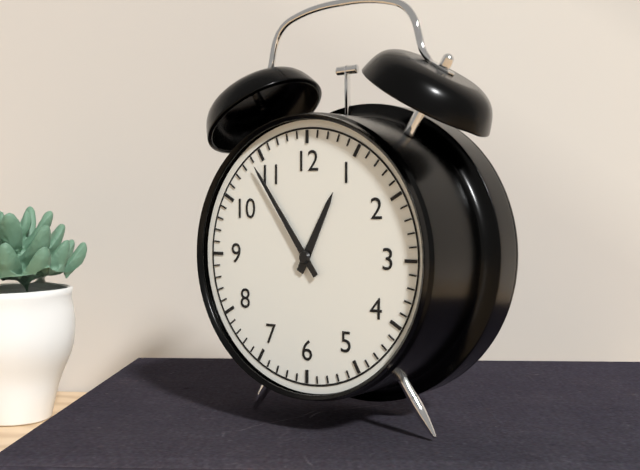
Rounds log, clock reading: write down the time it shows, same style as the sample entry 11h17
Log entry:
12h54
